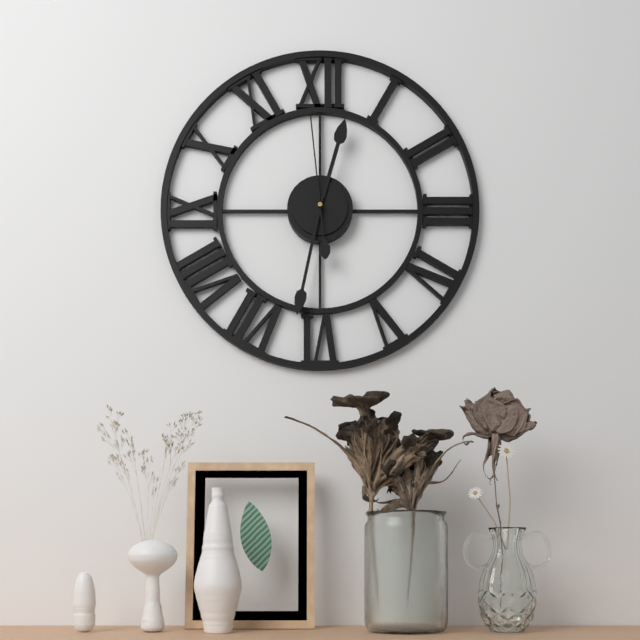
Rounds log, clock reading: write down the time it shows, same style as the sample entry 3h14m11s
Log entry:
12h32m59s
